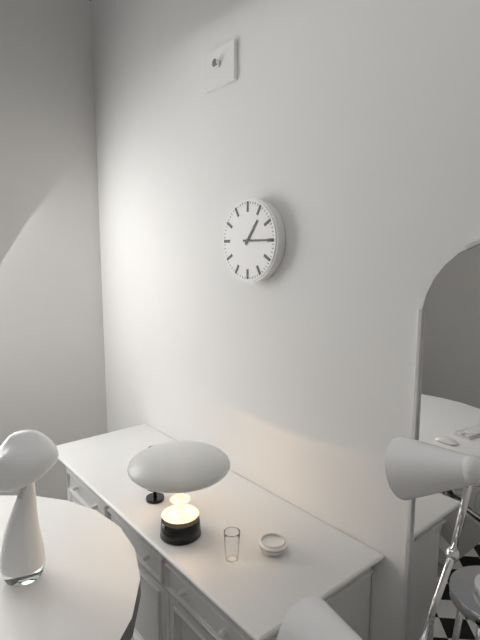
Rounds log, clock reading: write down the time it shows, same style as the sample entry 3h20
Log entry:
1h15
